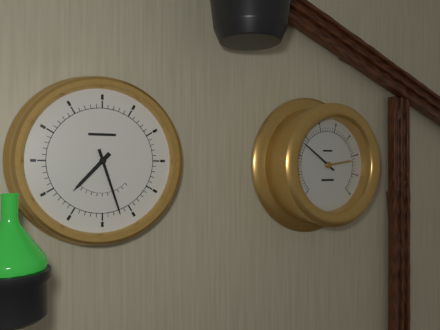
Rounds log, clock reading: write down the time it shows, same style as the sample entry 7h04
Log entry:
7h27
